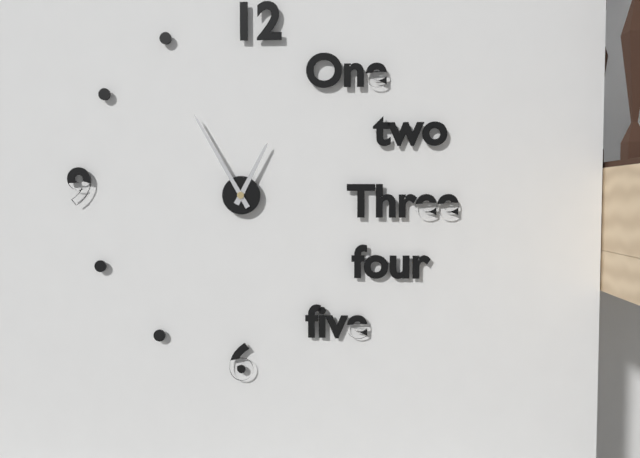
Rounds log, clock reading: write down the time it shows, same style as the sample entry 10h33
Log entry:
12h55
